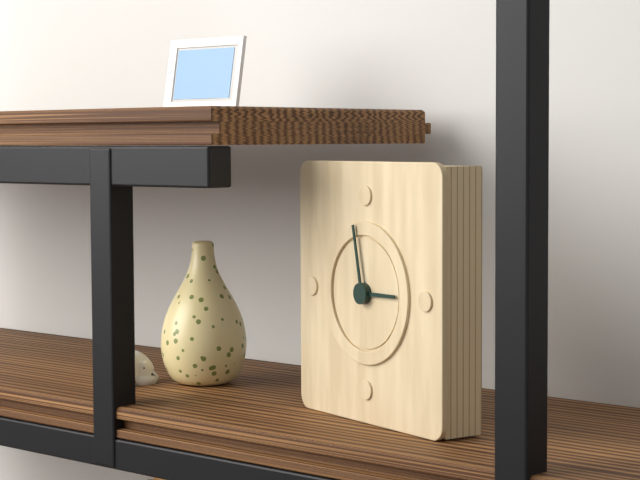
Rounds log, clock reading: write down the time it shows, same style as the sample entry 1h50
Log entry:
2h58
